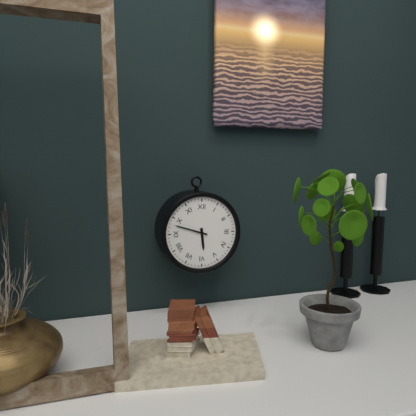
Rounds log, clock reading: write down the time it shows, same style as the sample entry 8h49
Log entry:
5h48
